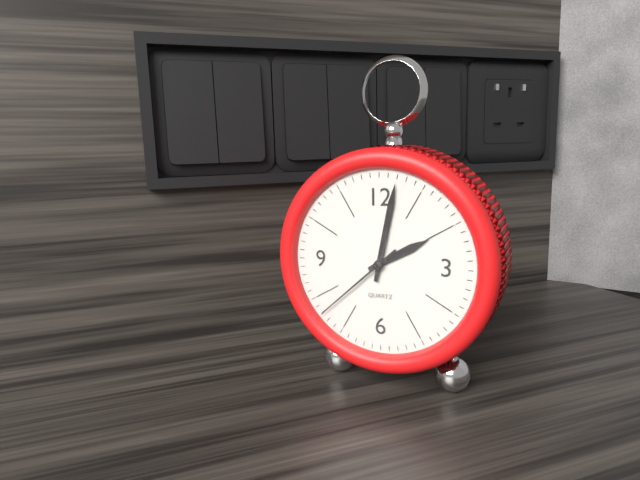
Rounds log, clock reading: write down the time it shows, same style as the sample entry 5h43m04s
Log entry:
2h02m38s
